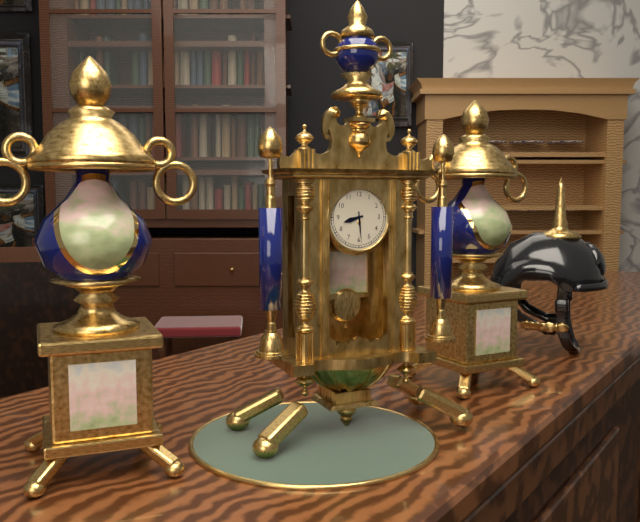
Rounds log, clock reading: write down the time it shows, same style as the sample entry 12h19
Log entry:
8h29
